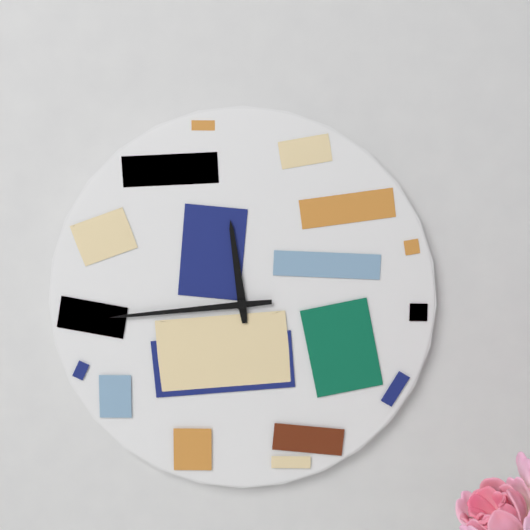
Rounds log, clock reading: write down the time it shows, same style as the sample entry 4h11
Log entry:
11h44
